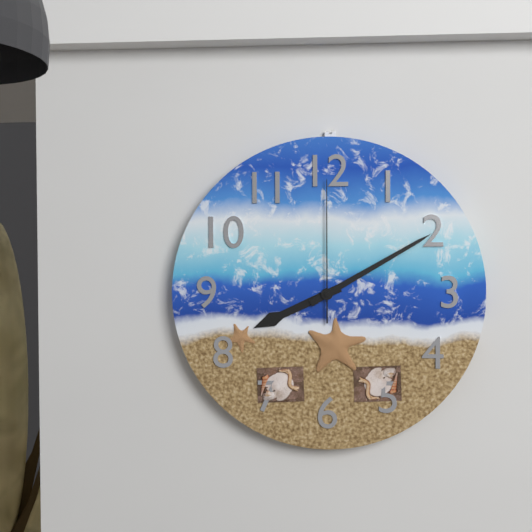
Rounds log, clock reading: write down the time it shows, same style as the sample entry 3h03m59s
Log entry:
8h10m00s
